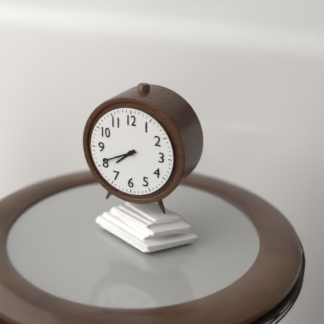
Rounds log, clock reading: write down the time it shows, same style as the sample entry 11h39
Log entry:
7h41
